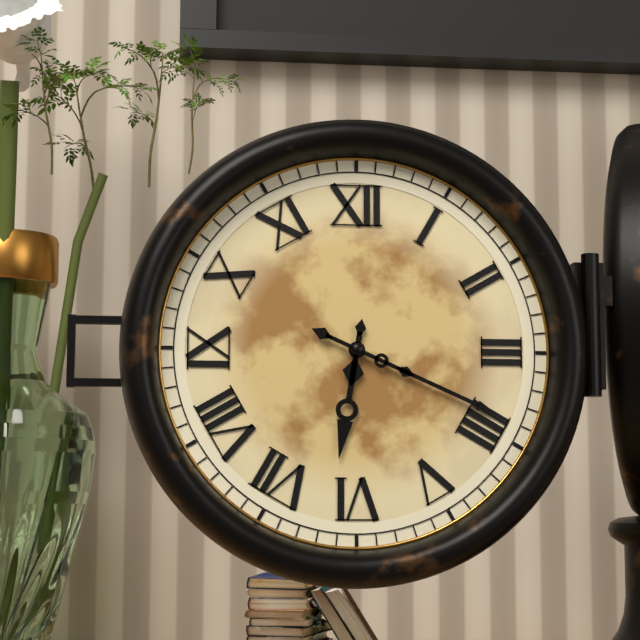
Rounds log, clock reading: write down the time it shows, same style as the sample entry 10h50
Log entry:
6h19
